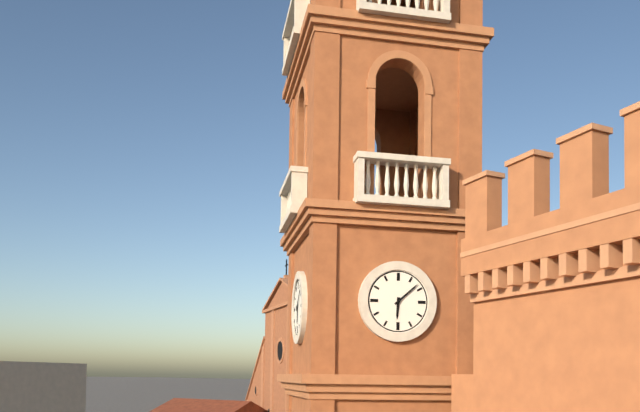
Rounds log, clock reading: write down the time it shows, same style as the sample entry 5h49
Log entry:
6h08
